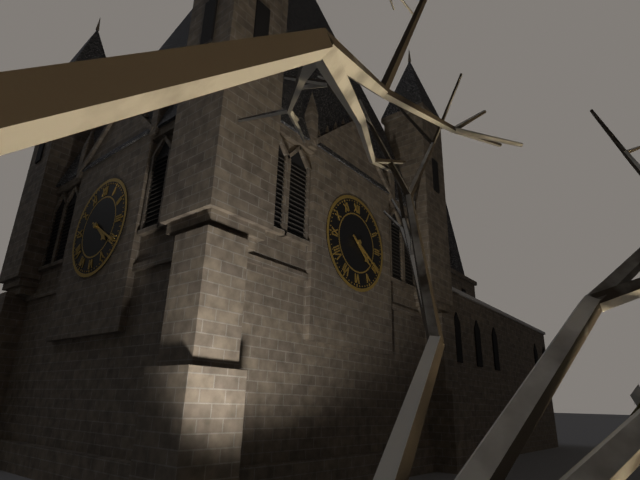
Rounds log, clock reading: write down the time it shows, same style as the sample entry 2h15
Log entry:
4h20
